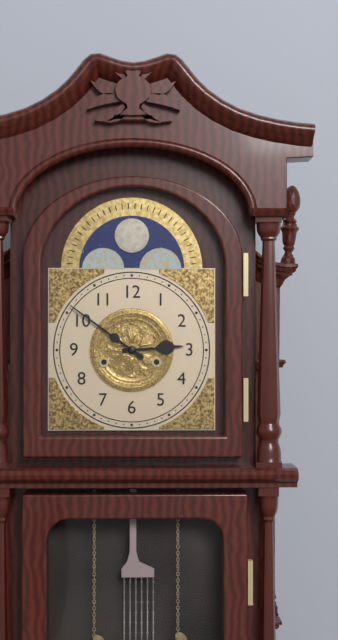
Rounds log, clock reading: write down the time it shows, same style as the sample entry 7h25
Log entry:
2h51
